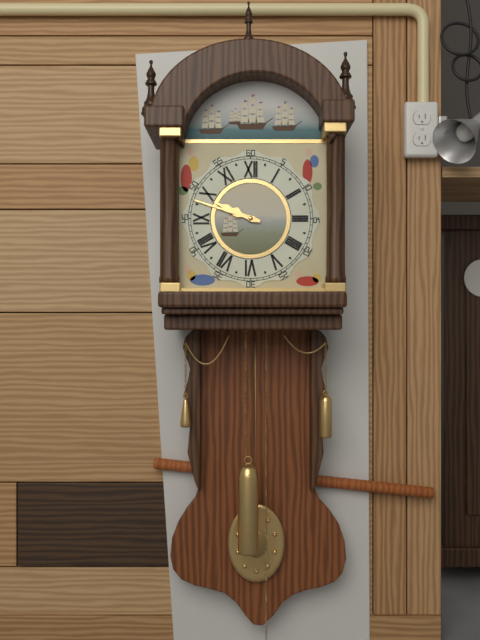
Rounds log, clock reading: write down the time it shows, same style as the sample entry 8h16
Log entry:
9h48
